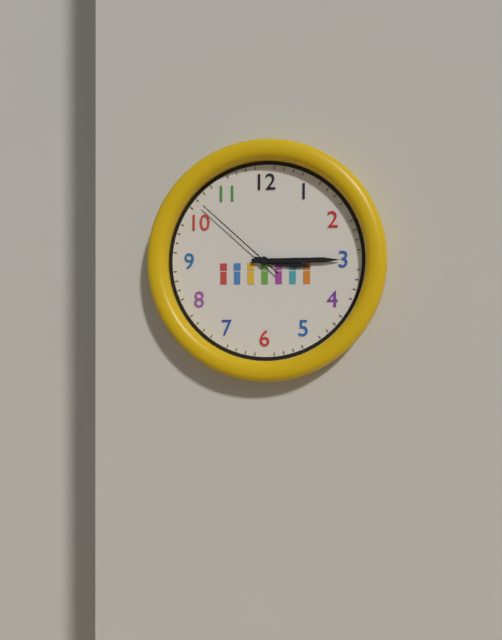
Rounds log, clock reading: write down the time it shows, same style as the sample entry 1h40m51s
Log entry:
3h15m52s
